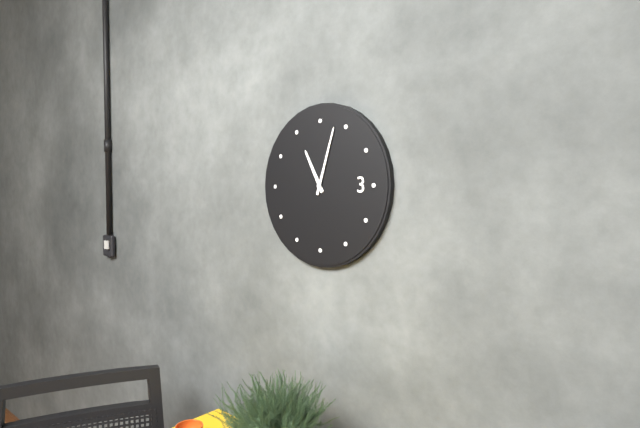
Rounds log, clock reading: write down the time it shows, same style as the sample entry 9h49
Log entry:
11h03
